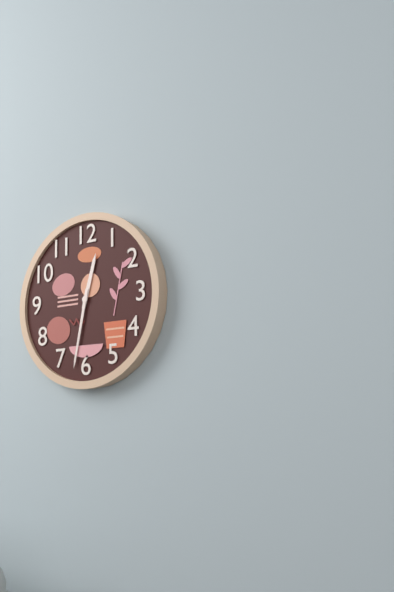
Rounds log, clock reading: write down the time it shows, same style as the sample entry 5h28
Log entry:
12h32
